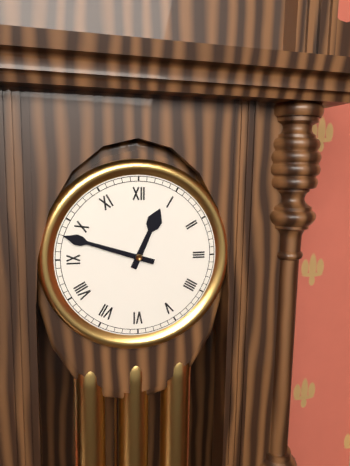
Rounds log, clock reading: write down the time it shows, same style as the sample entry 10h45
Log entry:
12h48
